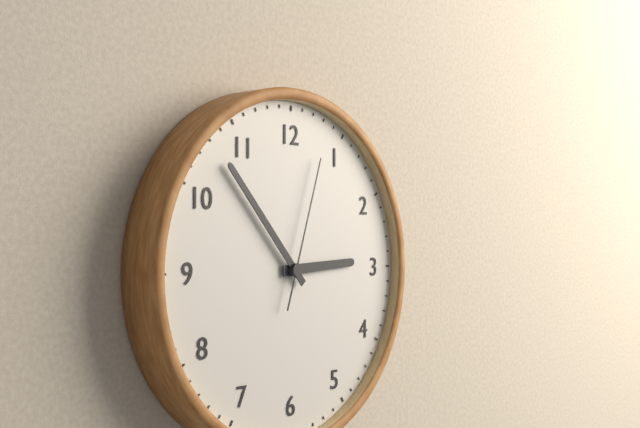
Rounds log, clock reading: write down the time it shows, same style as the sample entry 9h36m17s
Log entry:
2h53m03s
